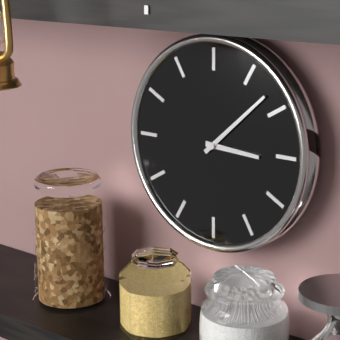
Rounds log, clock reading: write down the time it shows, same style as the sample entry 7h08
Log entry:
3h08
